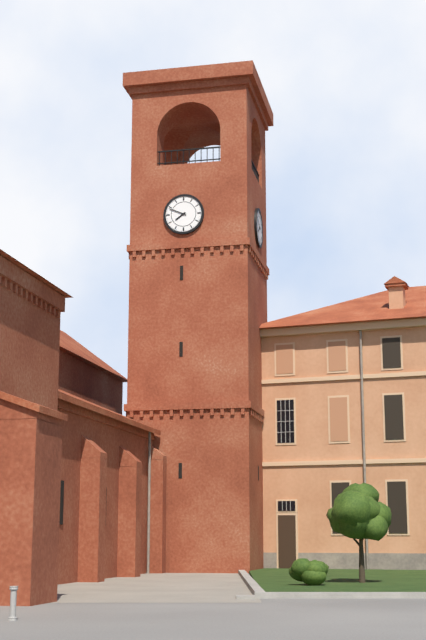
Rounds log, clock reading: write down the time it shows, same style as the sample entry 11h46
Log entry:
7h49
